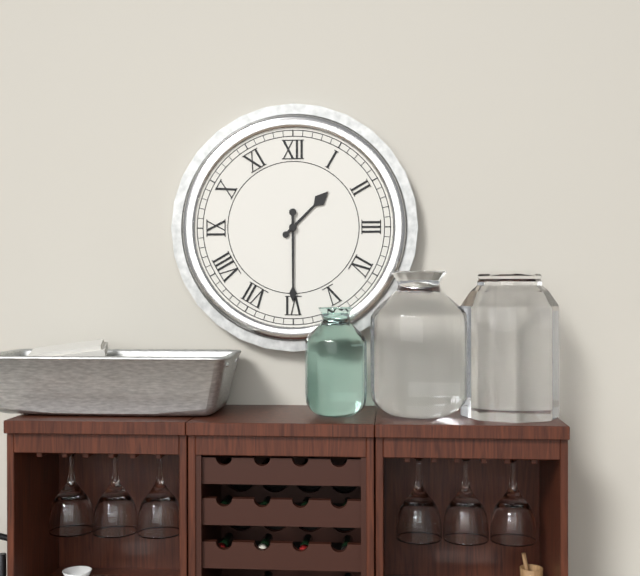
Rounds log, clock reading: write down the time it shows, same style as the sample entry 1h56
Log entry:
1h30
